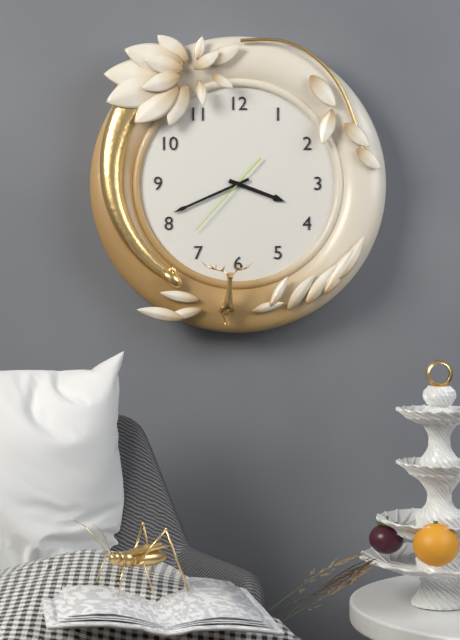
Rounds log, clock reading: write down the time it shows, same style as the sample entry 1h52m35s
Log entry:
3h41m37s
